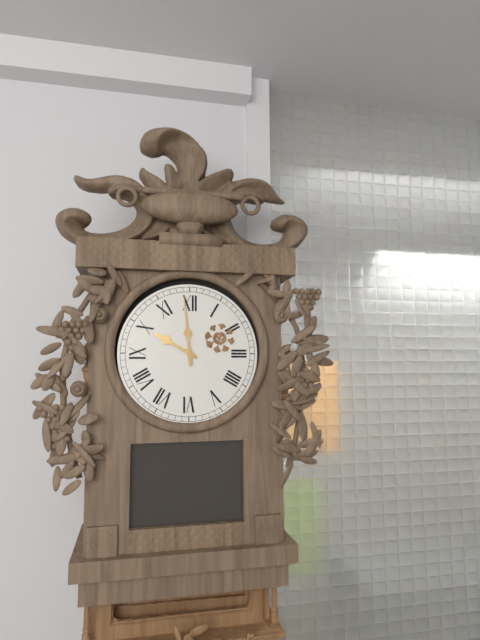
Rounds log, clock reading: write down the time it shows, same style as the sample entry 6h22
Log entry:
9h59
